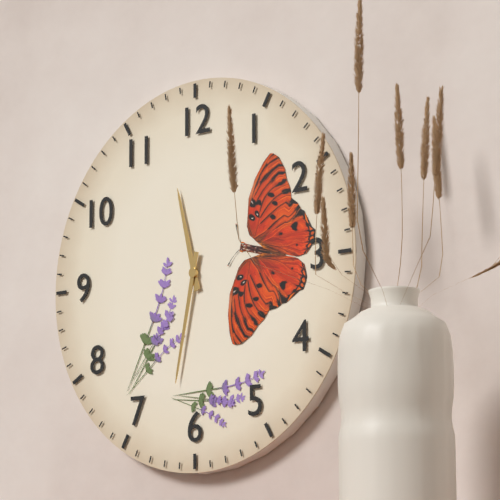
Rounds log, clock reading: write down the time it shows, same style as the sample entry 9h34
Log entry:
11h32
